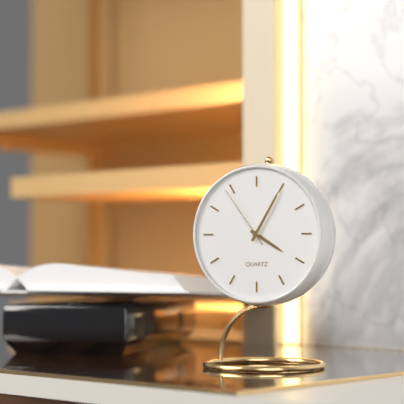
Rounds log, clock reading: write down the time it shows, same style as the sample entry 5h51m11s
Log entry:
4h05m54s
